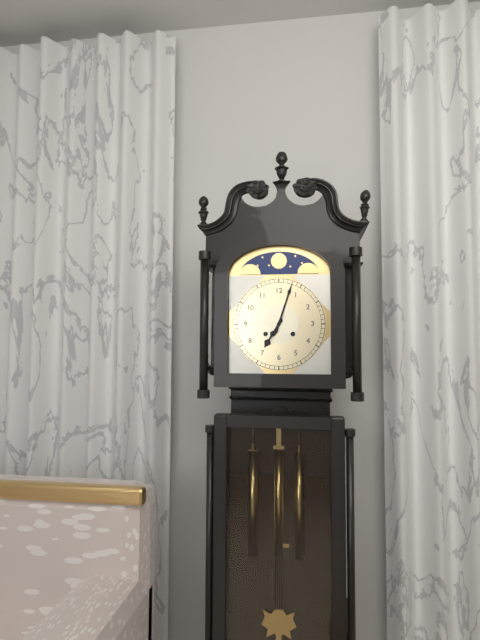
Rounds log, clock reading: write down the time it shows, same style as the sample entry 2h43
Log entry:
7h03
